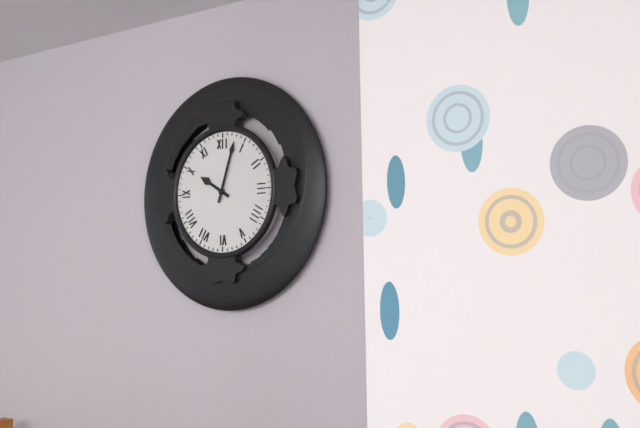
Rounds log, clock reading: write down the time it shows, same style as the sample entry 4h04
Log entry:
10h03
